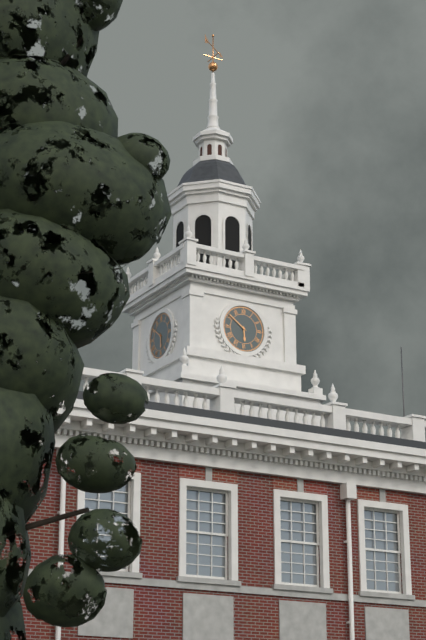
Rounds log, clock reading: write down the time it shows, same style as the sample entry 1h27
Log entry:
5h51
